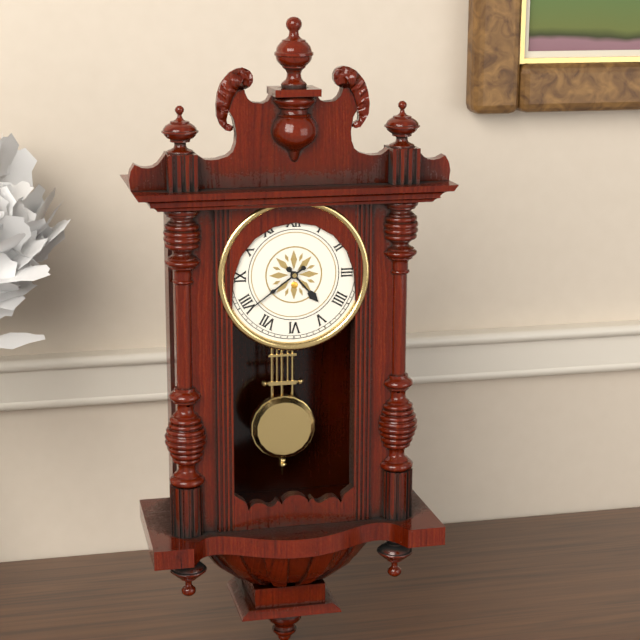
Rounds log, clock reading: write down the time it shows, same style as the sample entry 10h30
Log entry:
4h39
